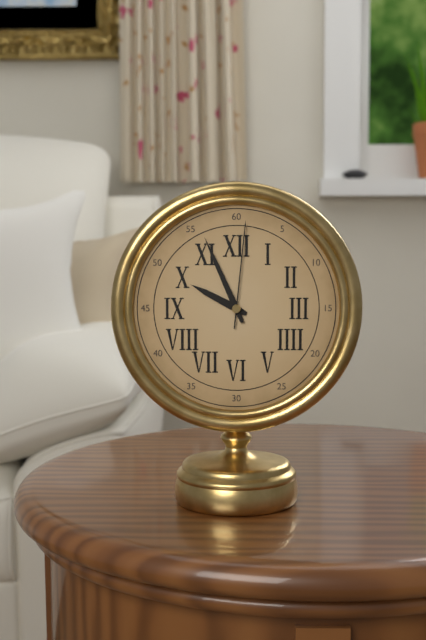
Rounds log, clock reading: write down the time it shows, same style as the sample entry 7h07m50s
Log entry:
9h56m01s
